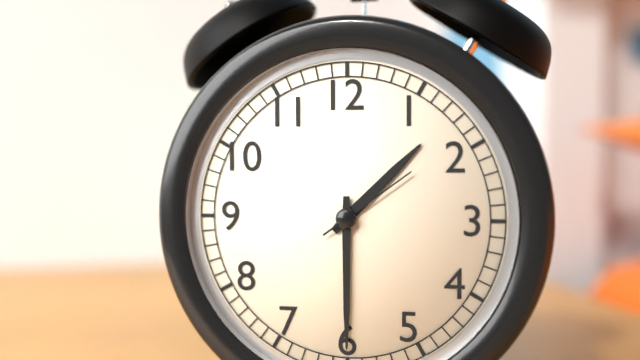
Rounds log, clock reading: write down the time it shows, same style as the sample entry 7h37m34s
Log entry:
1h30m09s
